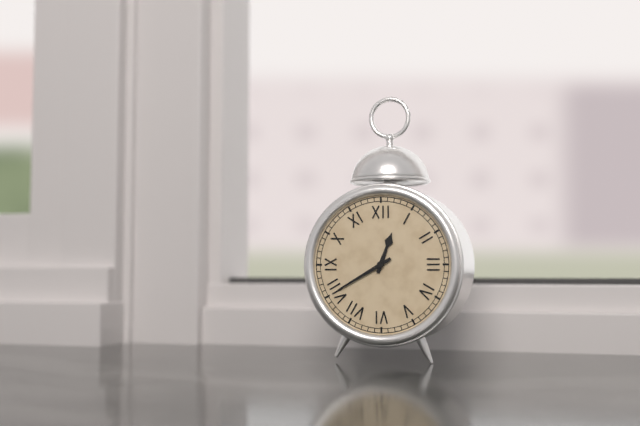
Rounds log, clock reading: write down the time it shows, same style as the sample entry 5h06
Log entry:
12h40
